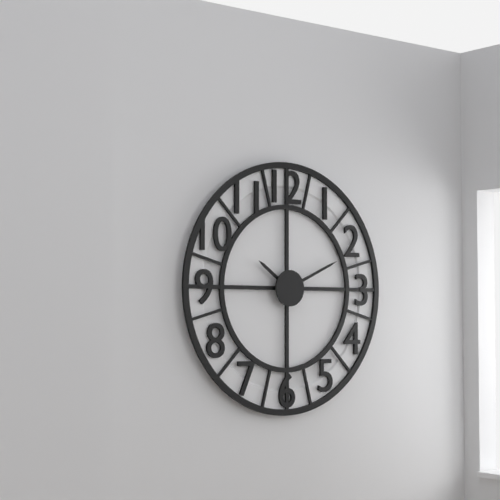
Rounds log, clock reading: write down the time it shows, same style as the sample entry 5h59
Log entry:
10h11
